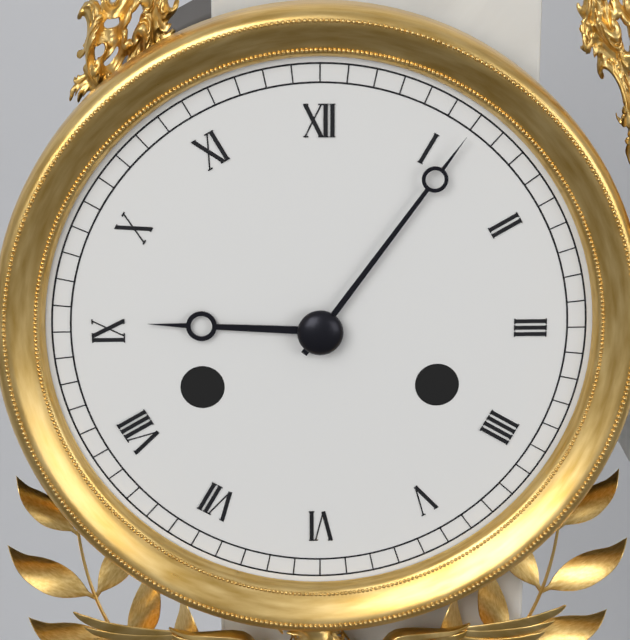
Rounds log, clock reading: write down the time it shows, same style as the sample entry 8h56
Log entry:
9h06
